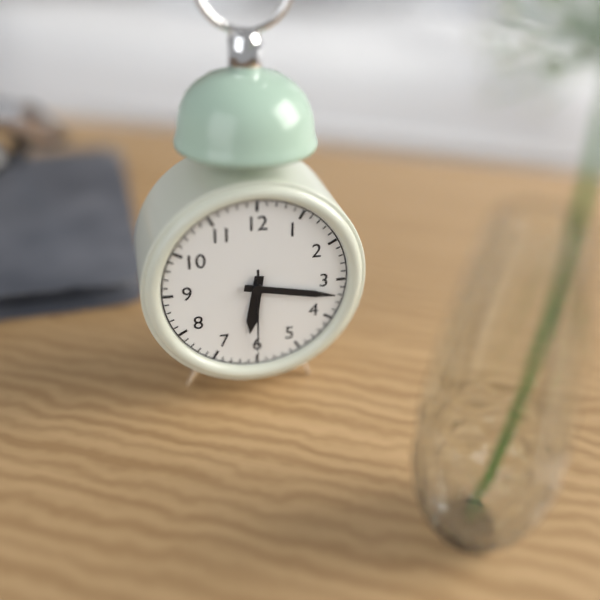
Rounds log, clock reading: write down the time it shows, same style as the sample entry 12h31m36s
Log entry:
6h17m30s
